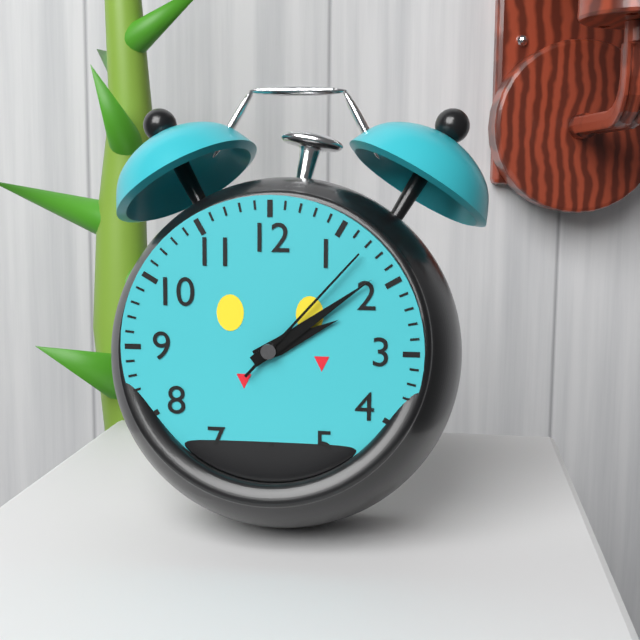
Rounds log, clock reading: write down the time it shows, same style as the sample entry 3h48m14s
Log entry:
2h09m07s
